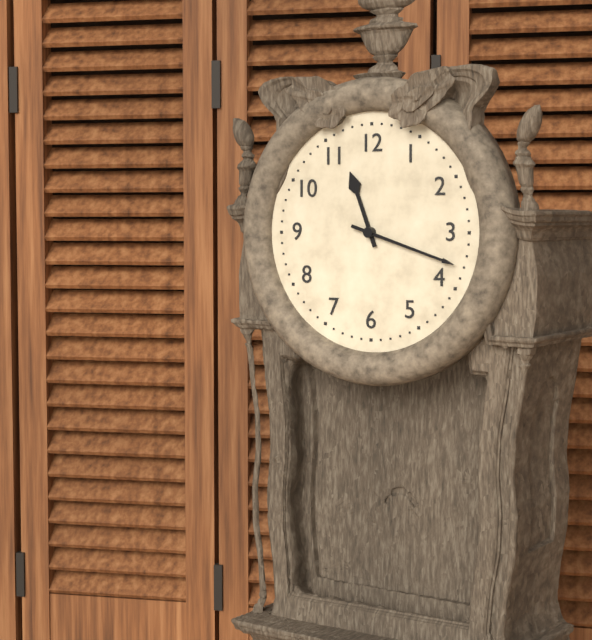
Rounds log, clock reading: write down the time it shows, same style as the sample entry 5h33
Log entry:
11h18
